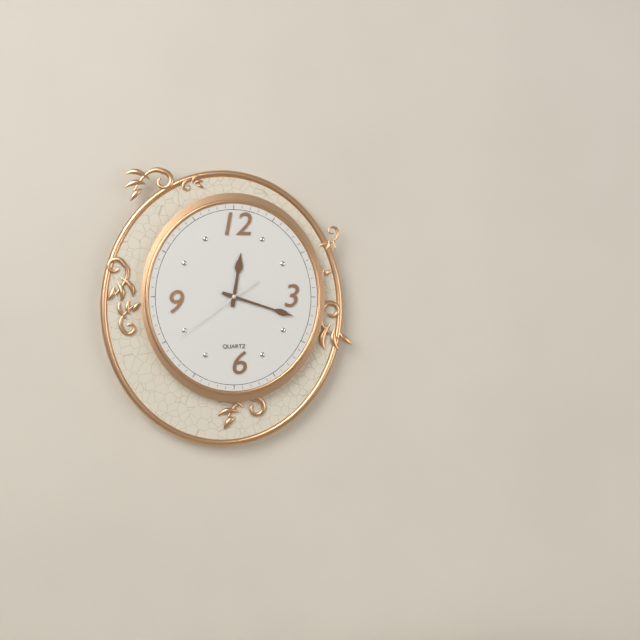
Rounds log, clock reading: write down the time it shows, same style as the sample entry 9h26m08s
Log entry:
12h18m39s
